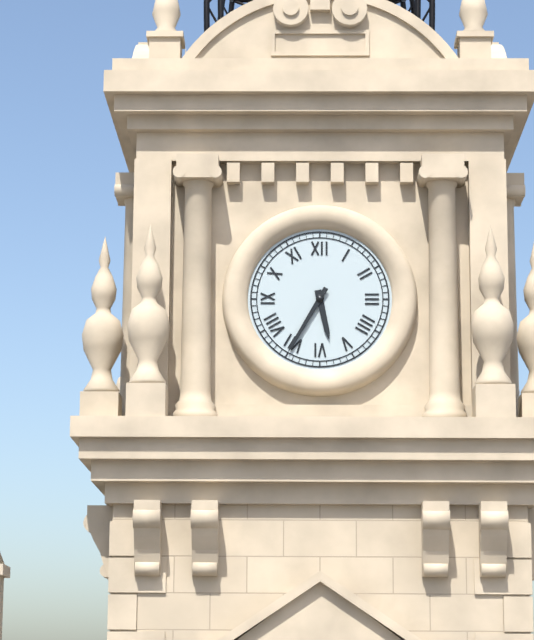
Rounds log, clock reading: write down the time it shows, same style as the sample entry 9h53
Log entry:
5h35
